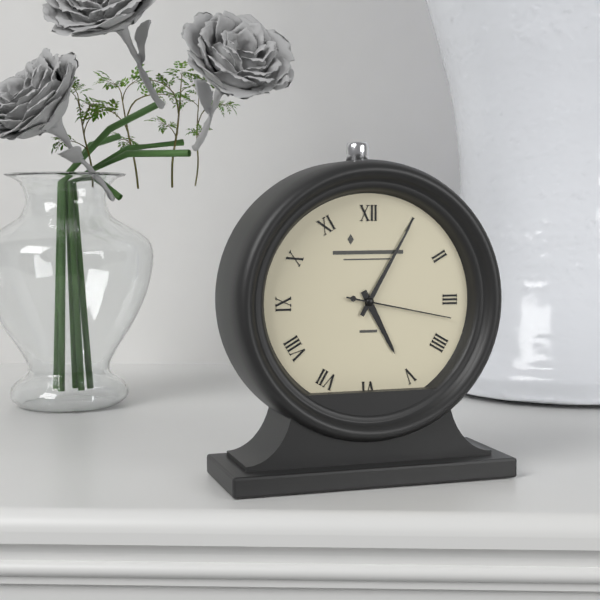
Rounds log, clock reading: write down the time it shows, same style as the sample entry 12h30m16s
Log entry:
5h05m17s
